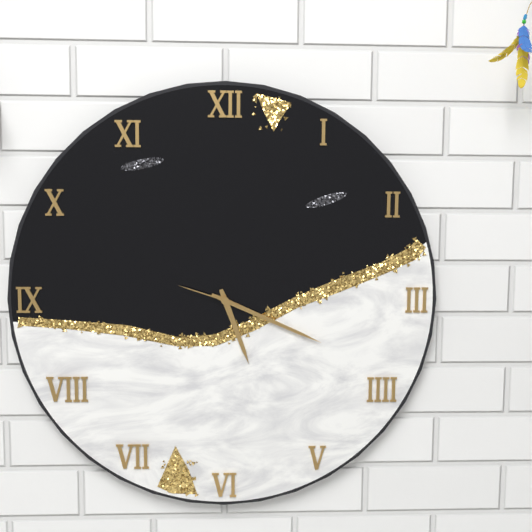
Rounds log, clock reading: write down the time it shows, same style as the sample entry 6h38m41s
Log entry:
5h19m48s
